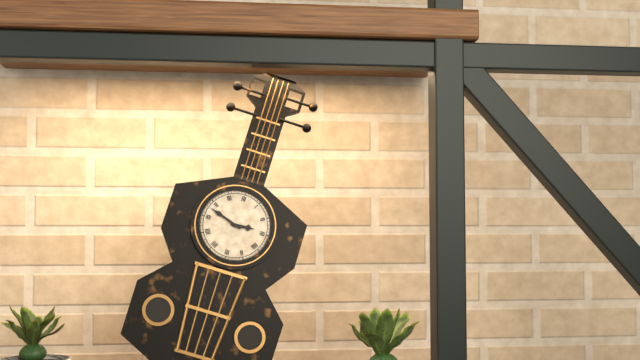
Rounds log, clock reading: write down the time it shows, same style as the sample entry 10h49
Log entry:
2h48
